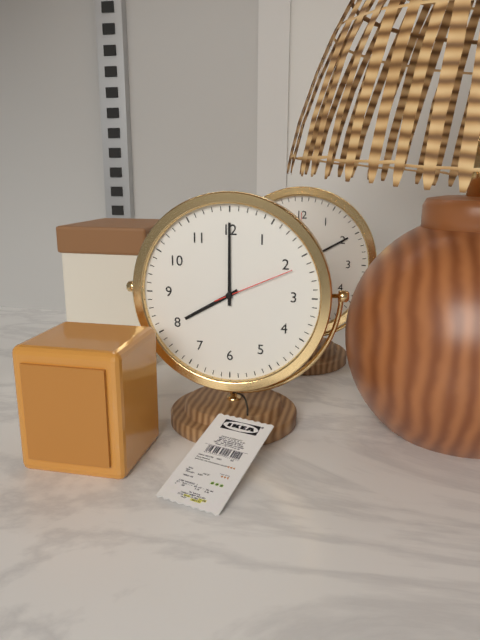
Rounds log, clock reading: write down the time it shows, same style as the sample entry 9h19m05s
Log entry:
8h00m11s
